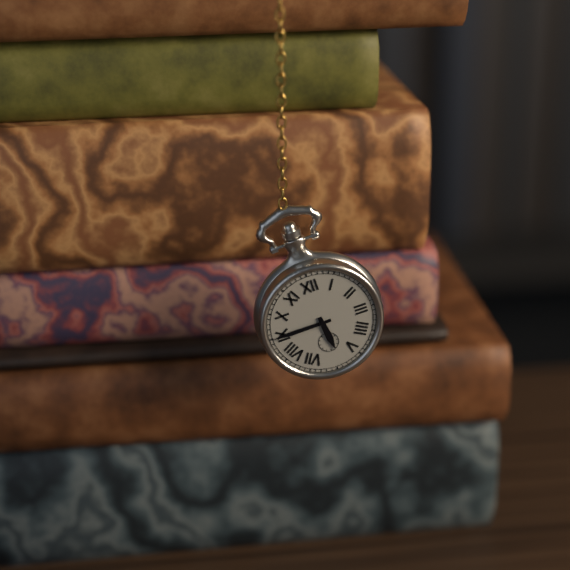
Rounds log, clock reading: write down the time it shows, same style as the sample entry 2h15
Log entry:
5h45
